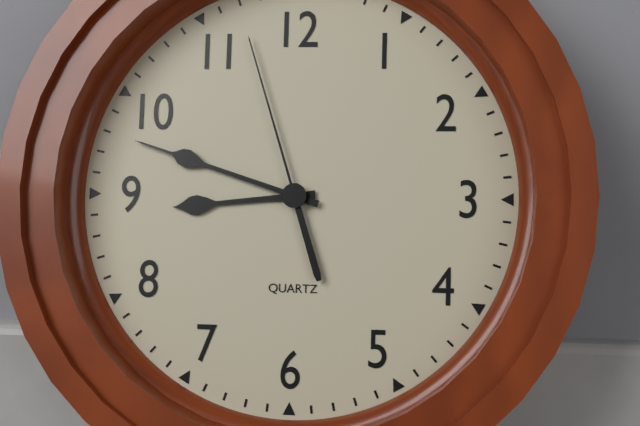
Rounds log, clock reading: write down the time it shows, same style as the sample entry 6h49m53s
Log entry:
8h48m57s
